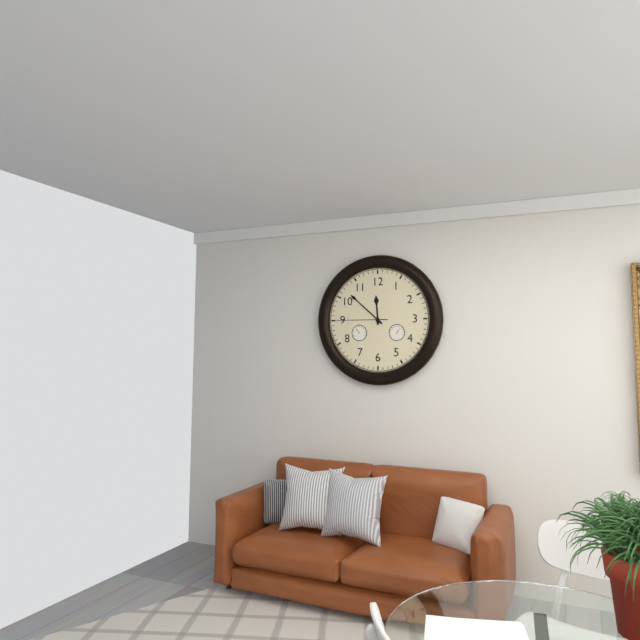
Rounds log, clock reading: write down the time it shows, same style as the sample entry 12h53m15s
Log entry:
11h52m45s
